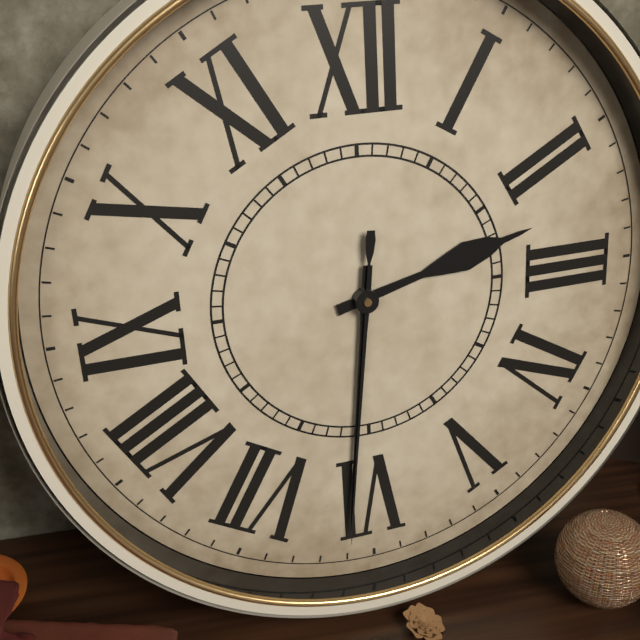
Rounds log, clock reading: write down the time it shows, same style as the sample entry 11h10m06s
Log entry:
2h31m31s
